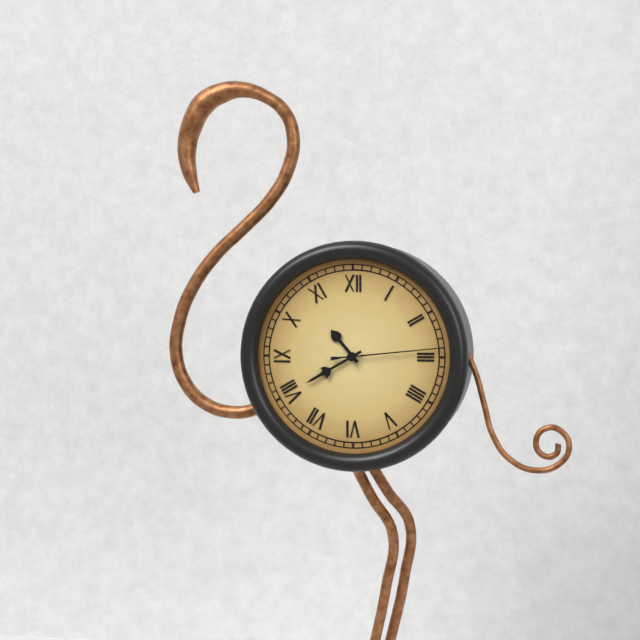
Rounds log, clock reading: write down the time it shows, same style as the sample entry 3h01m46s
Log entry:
10h40m14s
